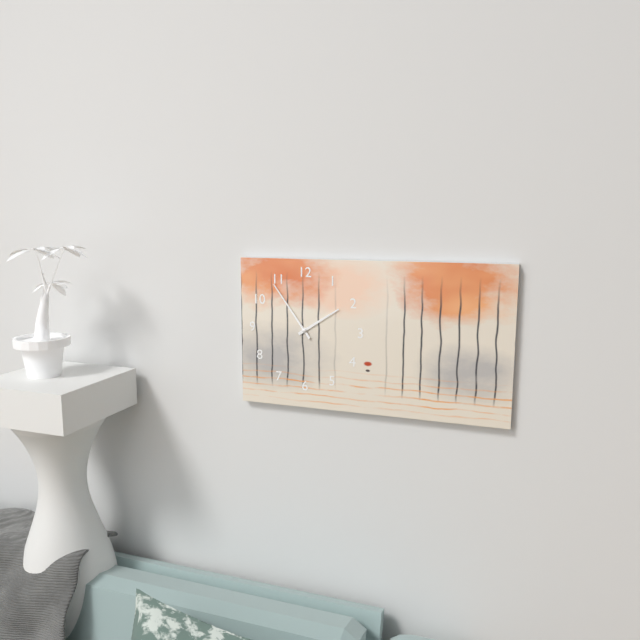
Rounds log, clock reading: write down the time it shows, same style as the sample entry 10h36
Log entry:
1h54
